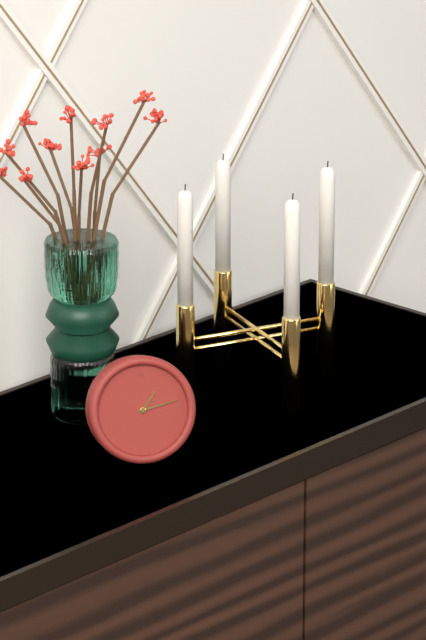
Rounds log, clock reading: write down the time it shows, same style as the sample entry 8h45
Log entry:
1h13
